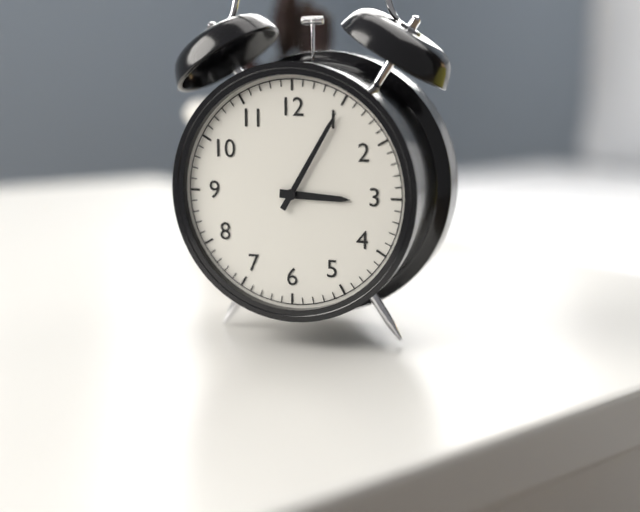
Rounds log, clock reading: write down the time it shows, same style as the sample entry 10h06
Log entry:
3h05
